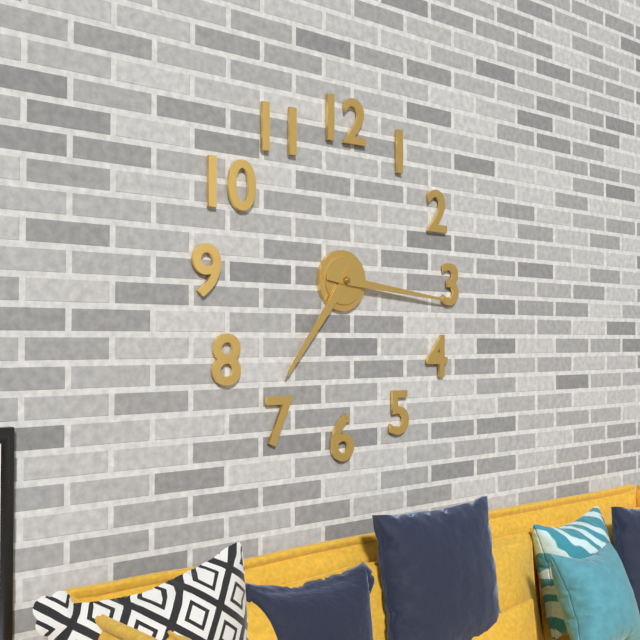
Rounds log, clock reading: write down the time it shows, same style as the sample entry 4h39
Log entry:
7h16
